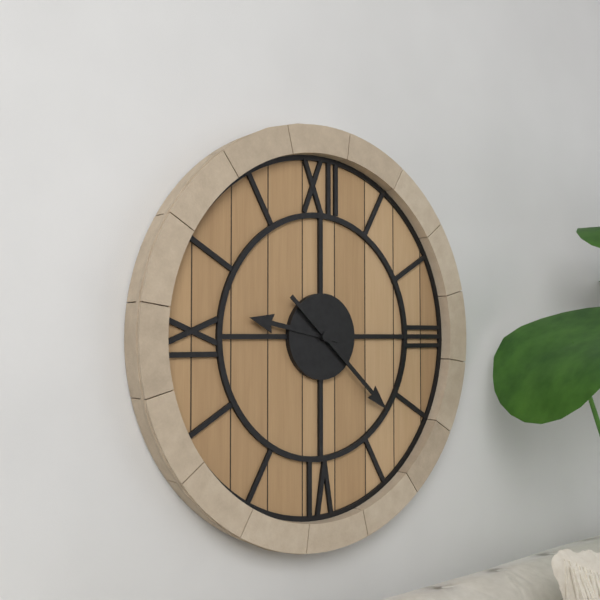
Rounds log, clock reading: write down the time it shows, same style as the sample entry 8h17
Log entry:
9h22
